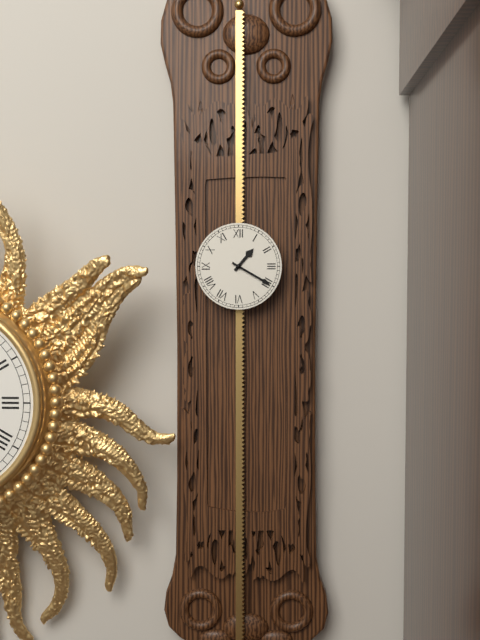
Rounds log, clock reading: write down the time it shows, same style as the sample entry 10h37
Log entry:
1h20
